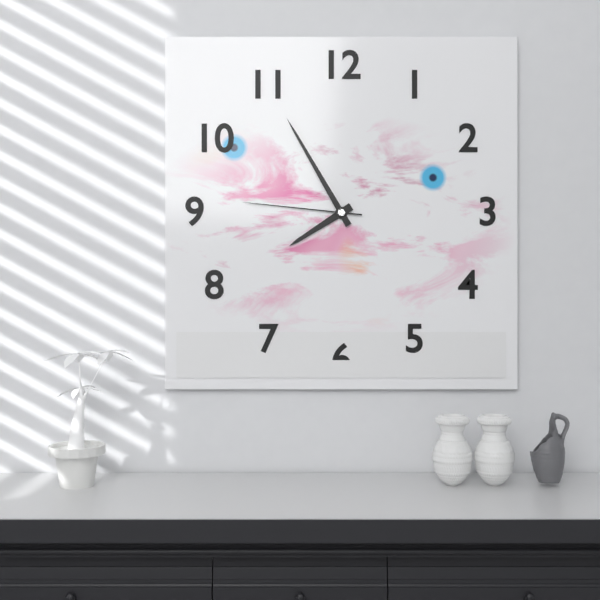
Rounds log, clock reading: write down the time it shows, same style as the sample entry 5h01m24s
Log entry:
7h55m46s
